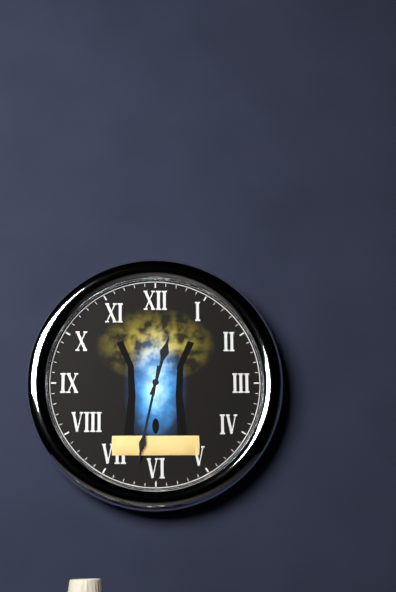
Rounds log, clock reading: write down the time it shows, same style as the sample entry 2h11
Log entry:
12h32
